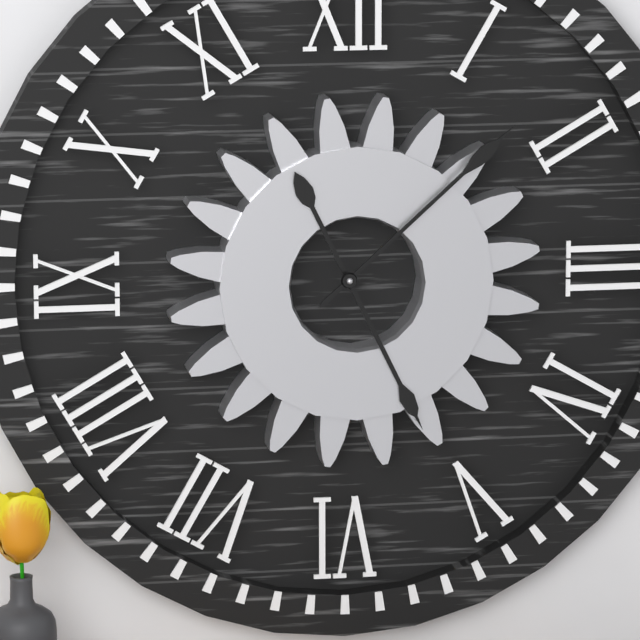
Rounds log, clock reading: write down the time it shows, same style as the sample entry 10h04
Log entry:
5h08
